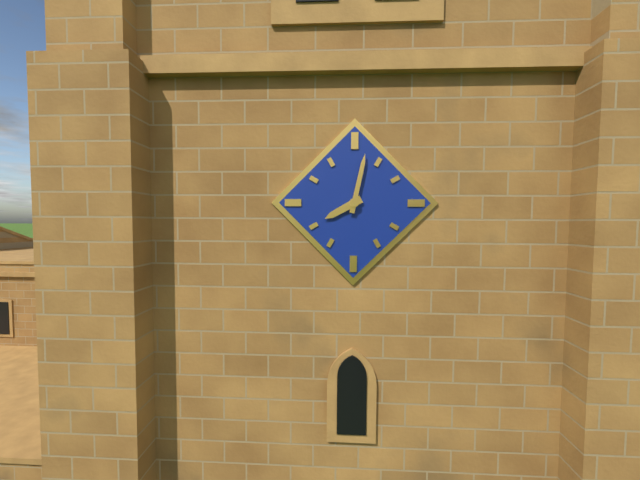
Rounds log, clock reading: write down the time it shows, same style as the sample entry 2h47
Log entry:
8h02
